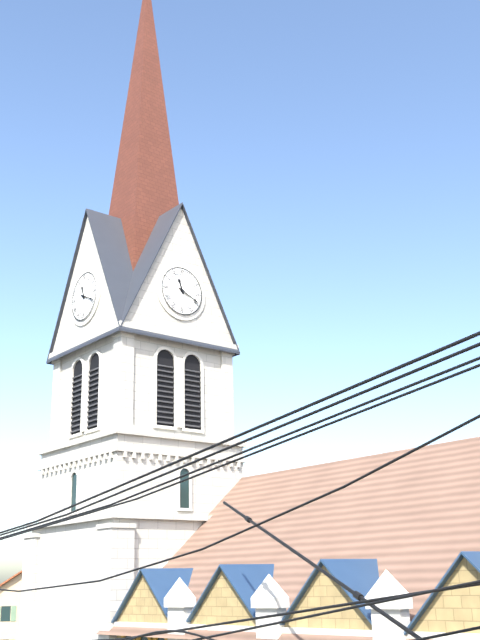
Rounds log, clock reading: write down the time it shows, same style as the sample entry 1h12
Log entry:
11h19
